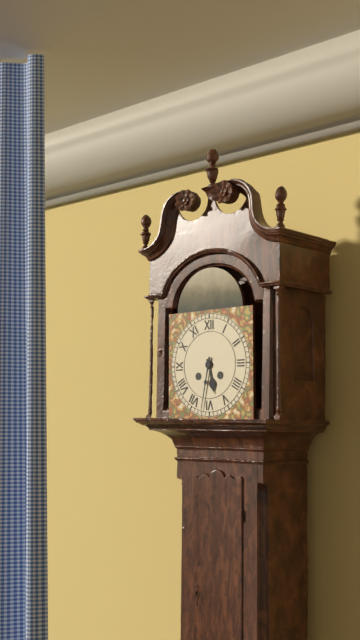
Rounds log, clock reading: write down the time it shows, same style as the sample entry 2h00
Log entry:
5h32
